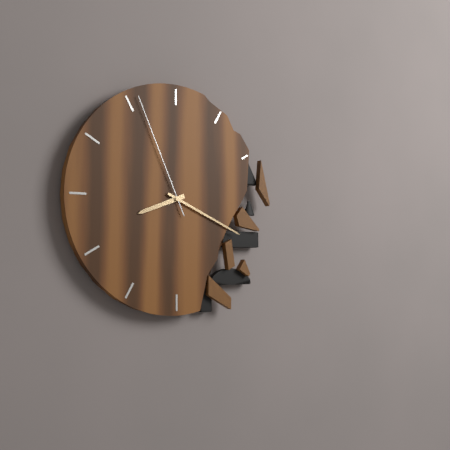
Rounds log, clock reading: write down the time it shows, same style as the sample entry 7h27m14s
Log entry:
8h19m56s
